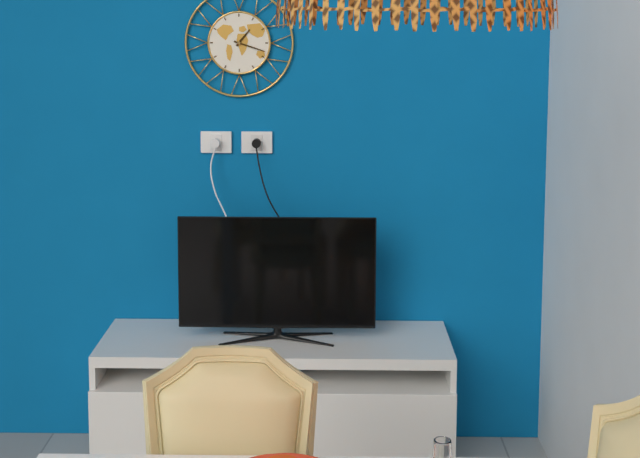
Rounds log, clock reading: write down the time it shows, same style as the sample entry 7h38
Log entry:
1h18
